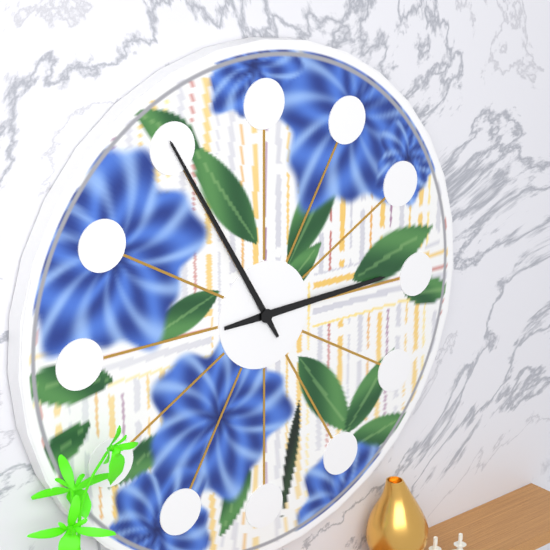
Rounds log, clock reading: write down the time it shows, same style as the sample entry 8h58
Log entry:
2h55
